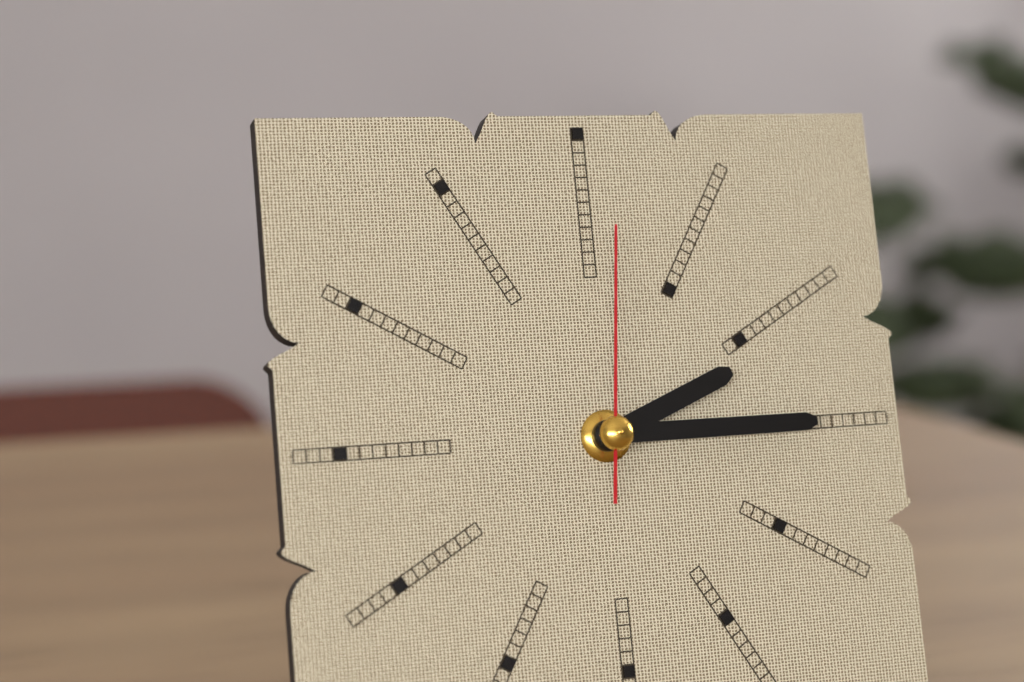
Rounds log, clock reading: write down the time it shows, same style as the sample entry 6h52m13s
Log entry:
2h15m01s
